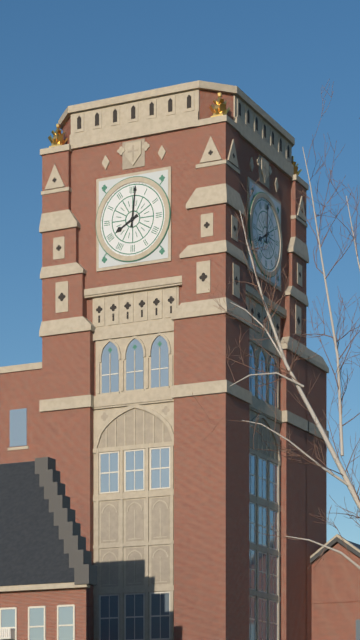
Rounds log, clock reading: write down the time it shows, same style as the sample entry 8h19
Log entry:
8h01
